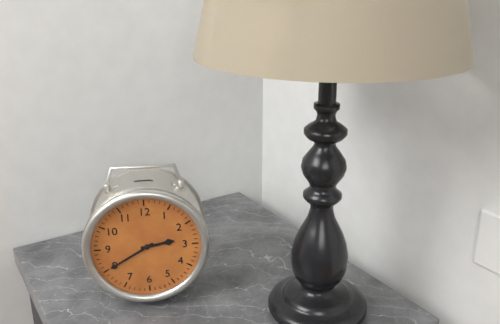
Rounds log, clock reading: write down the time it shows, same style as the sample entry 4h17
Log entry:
2h40
